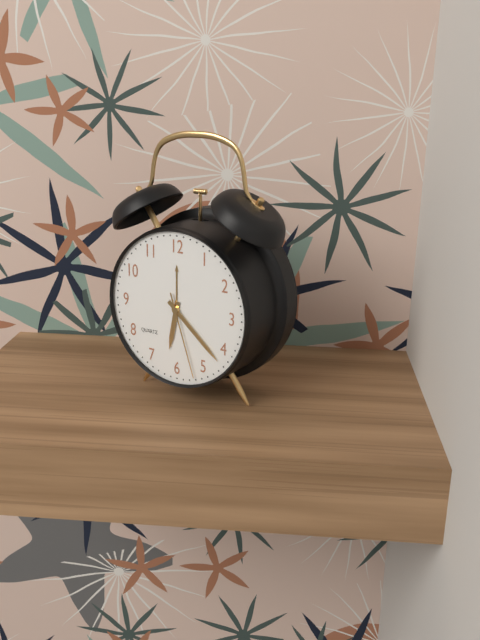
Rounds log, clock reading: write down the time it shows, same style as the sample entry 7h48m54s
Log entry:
6h22m27s
